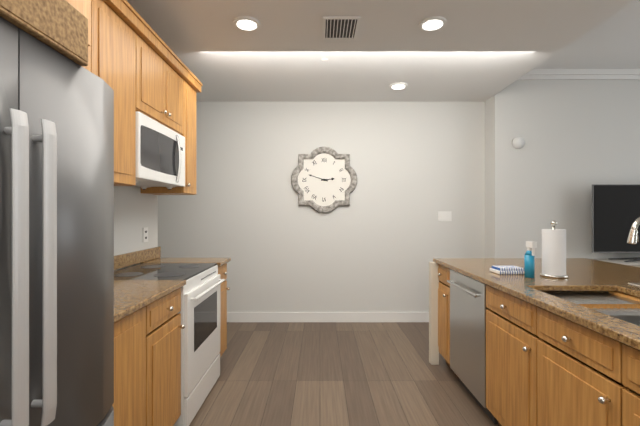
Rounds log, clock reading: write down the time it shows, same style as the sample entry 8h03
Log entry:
2h48
